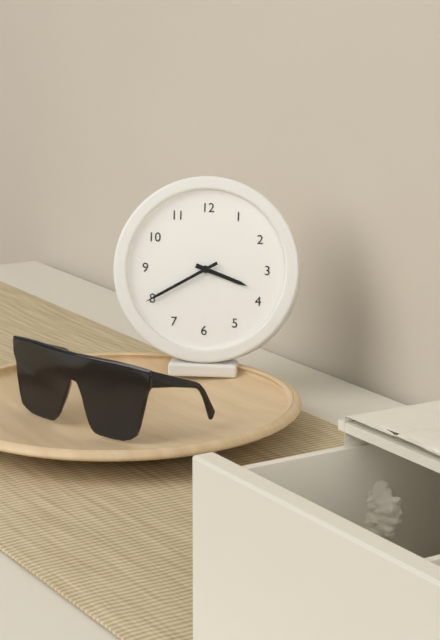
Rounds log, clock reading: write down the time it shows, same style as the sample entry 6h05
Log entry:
3h40
